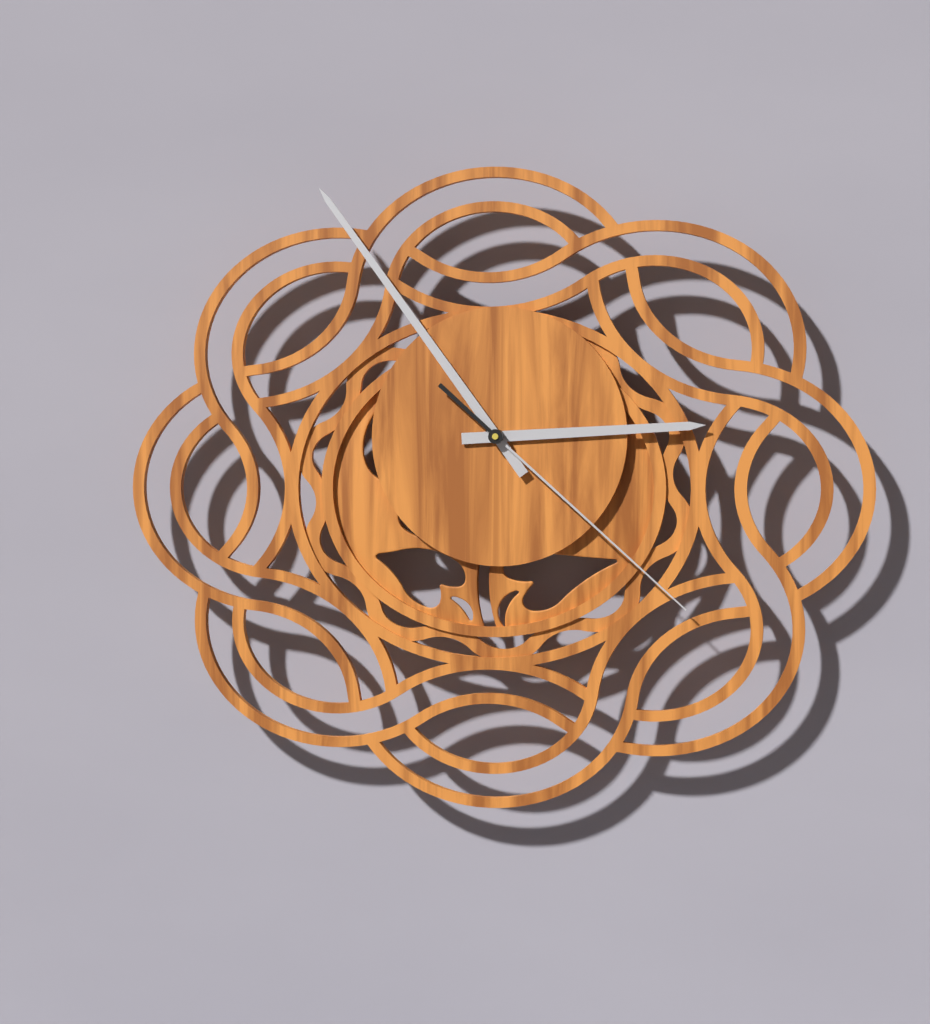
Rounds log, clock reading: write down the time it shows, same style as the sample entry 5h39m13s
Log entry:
2h54m22s
